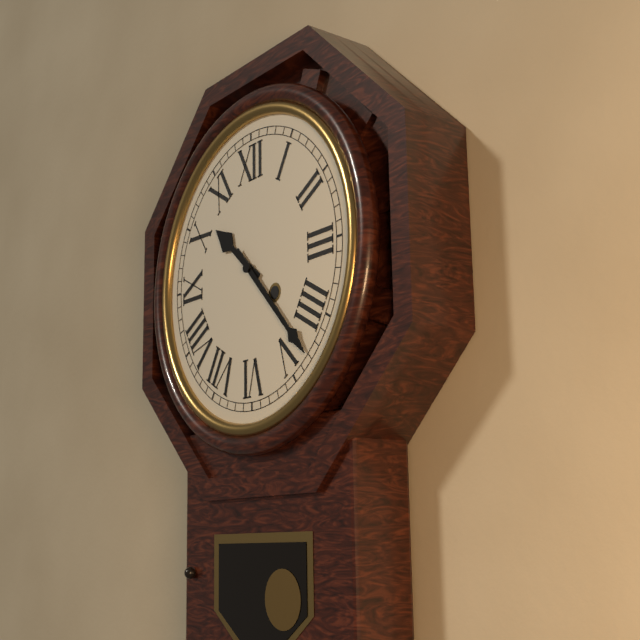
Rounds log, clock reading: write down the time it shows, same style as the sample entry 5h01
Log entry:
10h23
